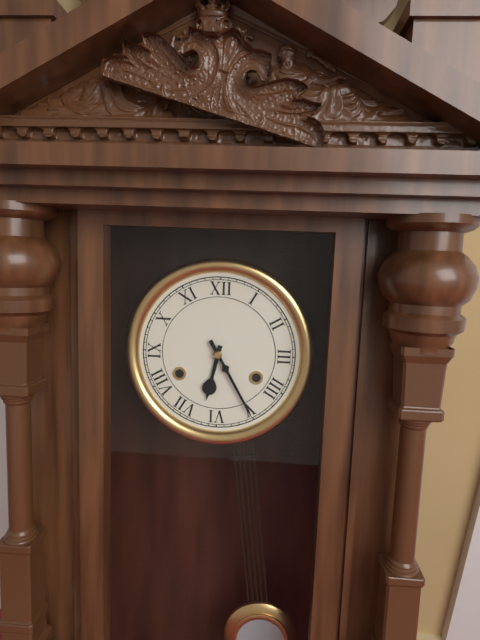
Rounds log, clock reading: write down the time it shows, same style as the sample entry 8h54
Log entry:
6h25
